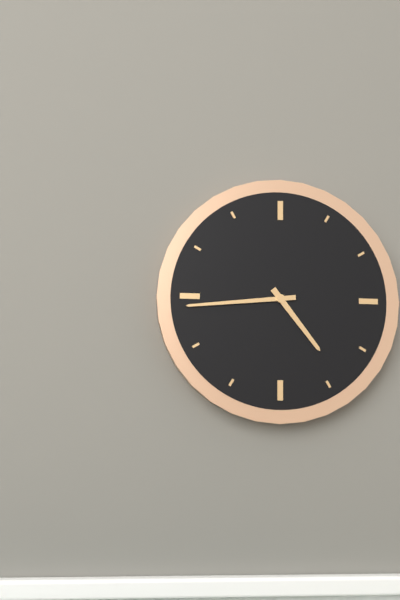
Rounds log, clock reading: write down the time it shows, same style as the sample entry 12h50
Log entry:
4h44
